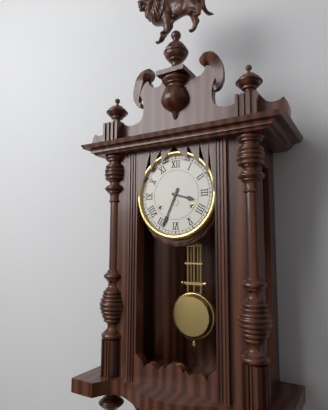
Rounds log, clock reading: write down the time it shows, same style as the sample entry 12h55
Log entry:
3h34
